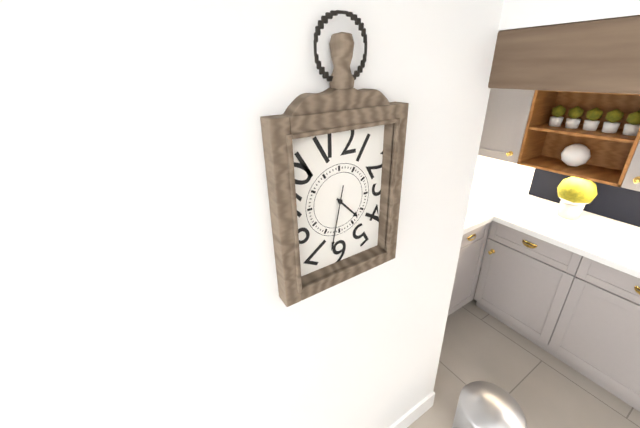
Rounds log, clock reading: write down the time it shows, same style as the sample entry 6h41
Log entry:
4h32
